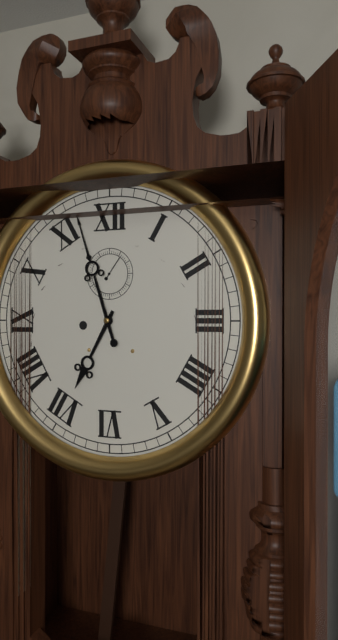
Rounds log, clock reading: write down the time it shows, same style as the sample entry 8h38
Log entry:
6h57
